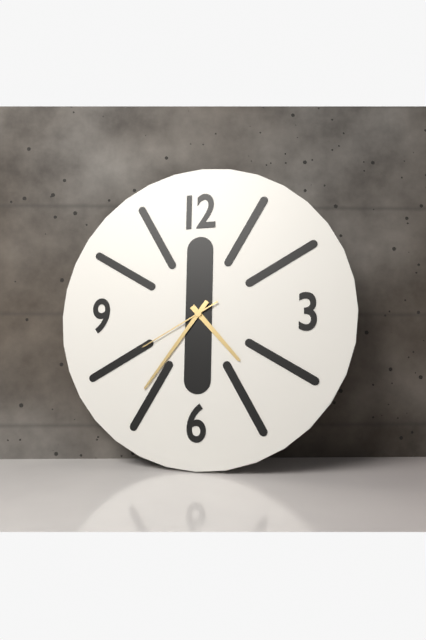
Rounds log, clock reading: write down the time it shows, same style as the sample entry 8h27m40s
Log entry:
4h36m40s
